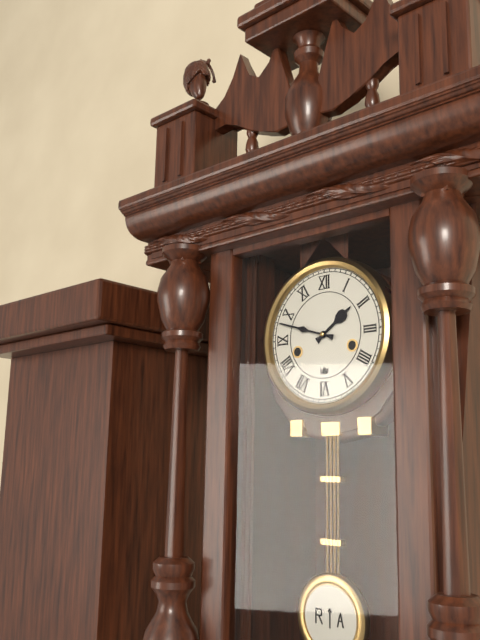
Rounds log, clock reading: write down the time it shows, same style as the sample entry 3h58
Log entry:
1h48
